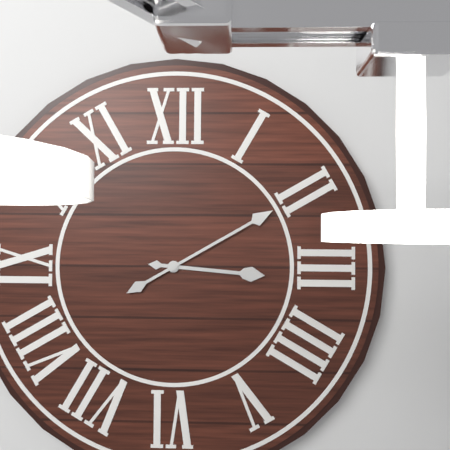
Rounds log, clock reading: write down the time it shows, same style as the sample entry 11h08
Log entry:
3h10
